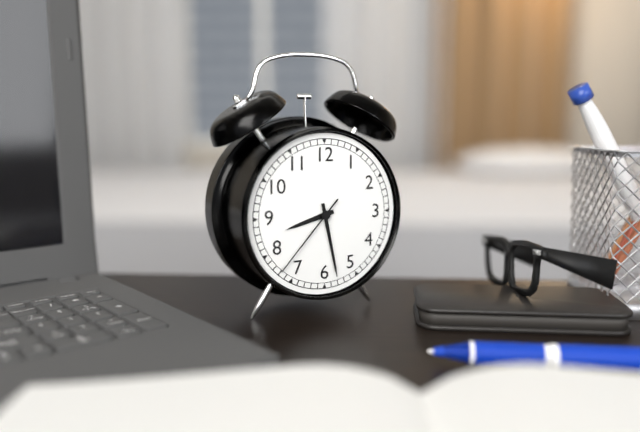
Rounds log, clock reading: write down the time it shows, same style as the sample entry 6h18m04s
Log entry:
8h28m37s
